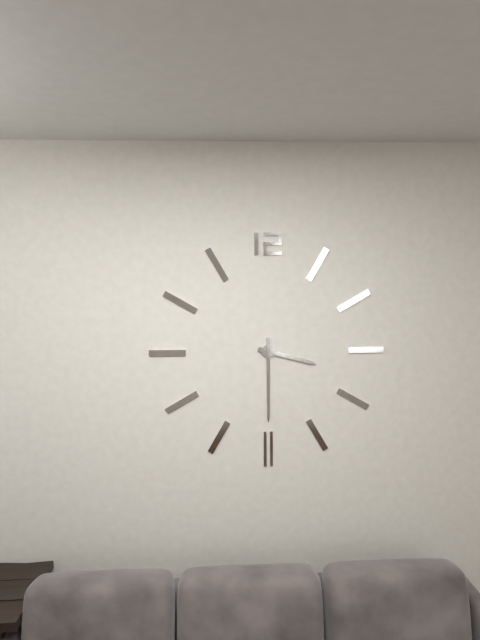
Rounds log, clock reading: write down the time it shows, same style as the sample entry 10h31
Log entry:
3h30
